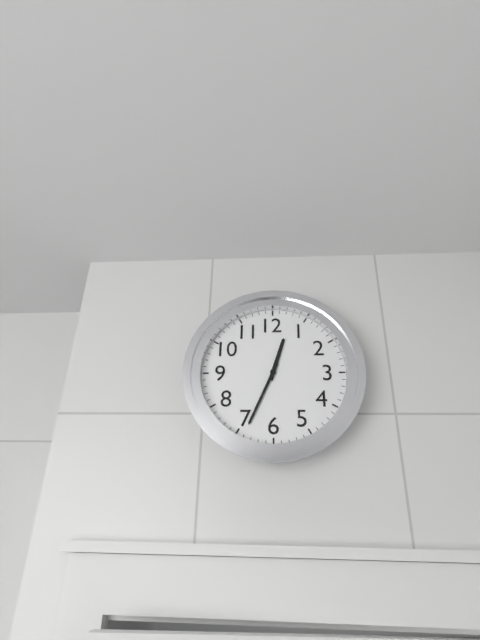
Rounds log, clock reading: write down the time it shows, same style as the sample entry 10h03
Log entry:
12h34
